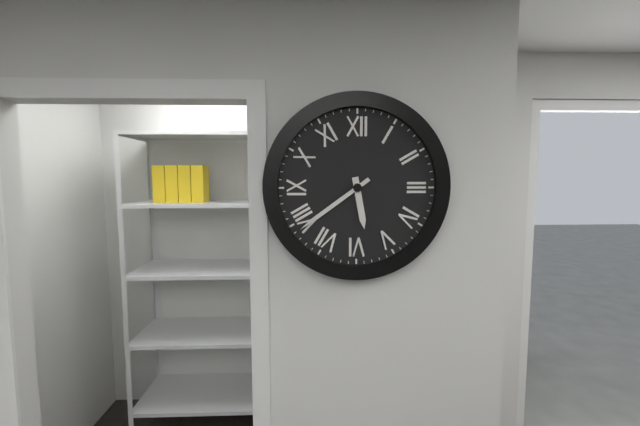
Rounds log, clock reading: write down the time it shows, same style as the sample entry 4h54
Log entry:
5h39
